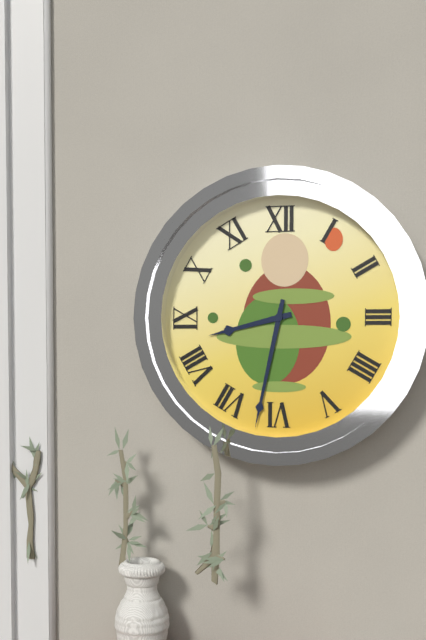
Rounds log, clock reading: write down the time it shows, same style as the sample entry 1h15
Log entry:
8h32
